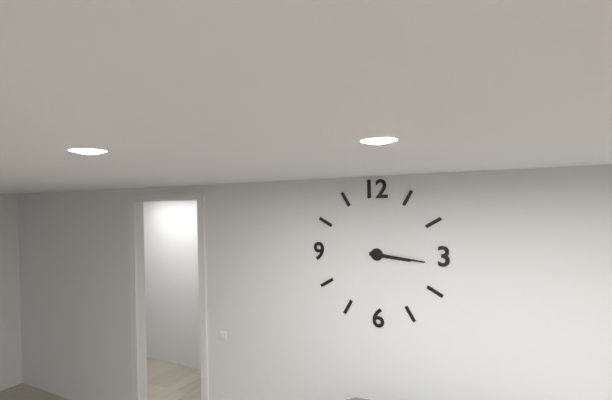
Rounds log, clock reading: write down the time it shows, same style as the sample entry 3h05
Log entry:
3h16
